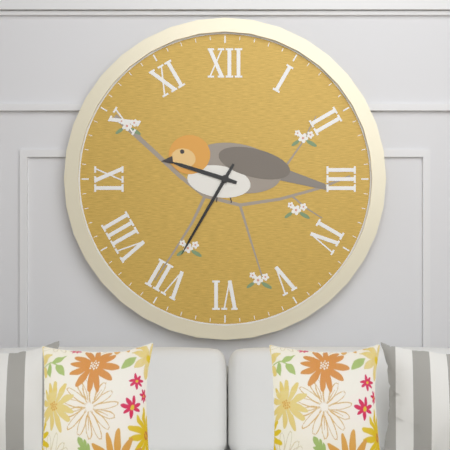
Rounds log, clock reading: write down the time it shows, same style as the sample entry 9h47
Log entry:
9h35
